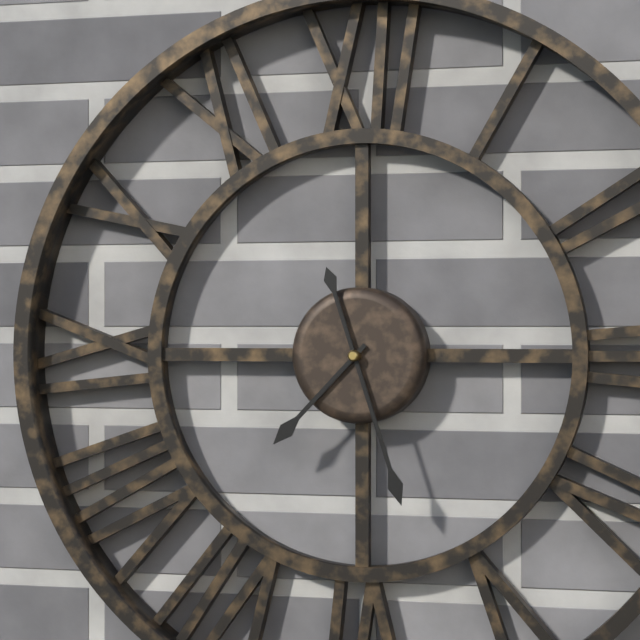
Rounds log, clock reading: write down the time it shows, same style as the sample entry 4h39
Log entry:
7h27
